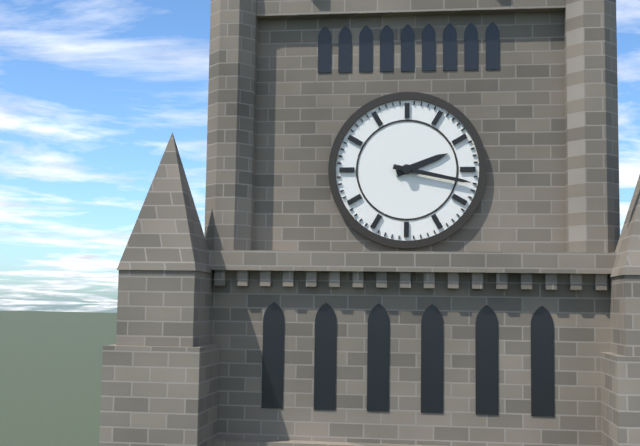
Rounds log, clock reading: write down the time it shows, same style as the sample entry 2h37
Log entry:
2h17
